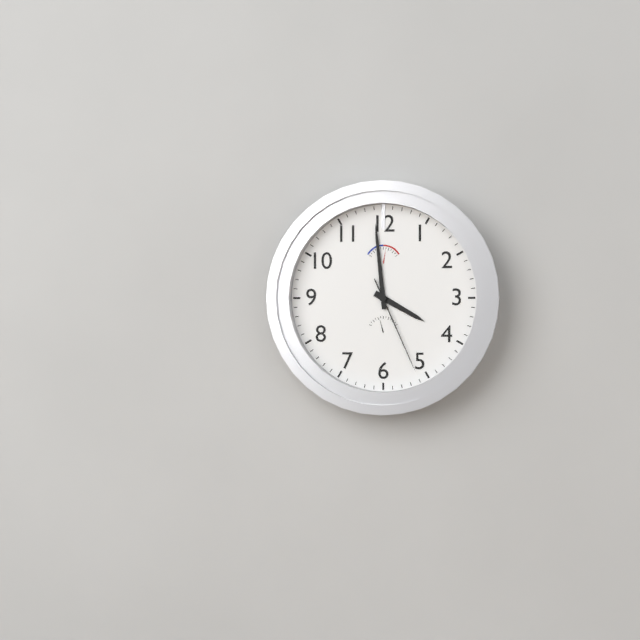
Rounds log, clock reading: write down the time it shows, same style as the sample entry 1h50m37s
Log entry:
3h59m26s
